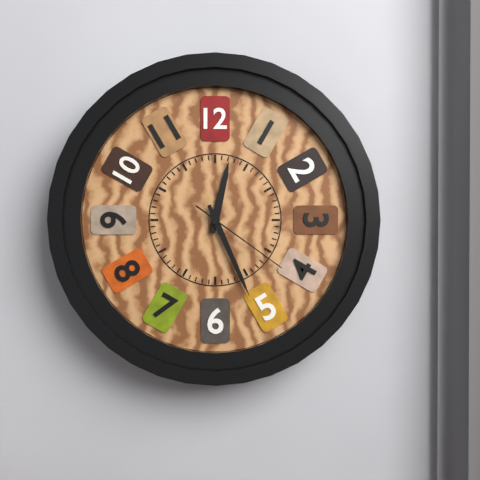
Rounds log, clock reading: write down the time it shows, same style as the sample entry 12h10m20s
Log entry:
12h26m21s
